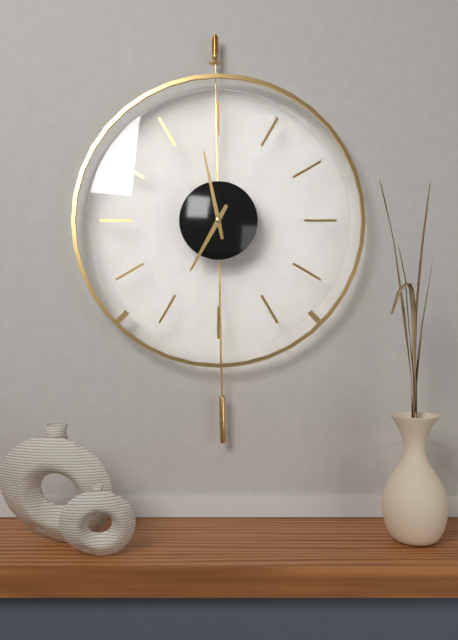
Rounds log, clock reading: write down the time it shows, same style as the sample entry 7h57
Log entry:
6h58
